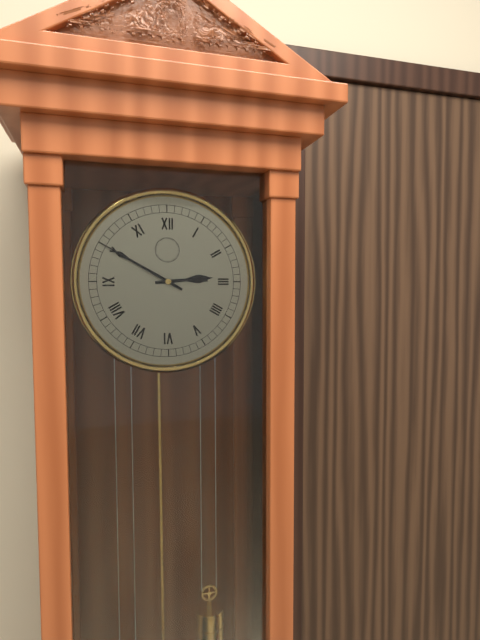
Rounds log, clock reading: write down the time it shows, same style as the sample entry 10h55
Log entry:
2h50
